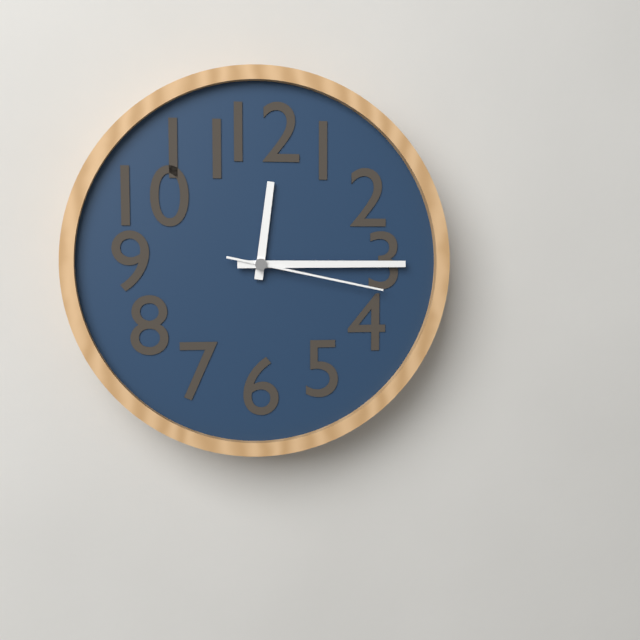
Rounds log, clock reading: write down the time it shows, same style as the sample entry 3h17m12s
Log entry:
12h15m17s
